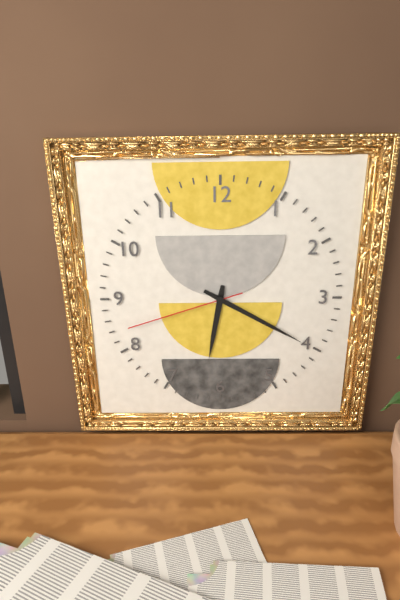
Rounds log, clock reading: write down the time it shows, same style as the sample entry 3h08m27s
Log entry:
6h20m42s
